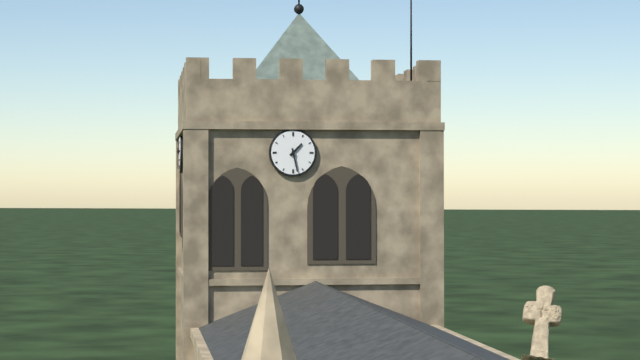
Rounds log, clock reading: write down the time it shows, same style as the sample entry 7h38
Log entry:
1h28
